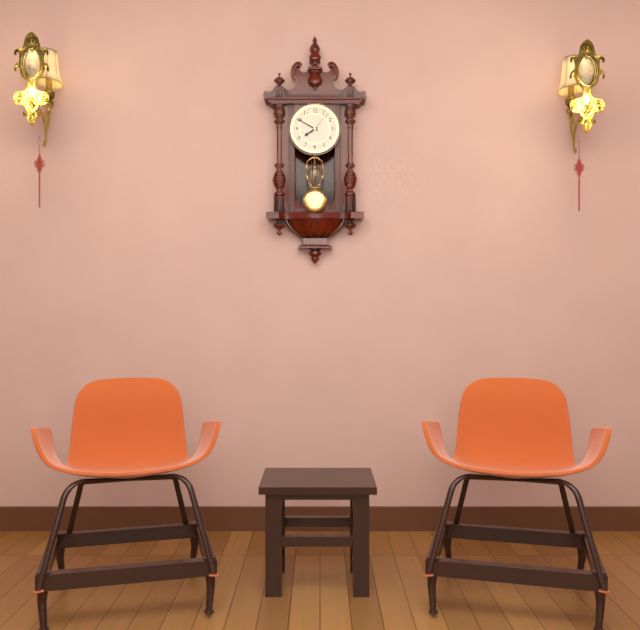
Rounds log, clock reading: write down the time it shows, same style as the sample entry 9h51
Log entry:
7h50
